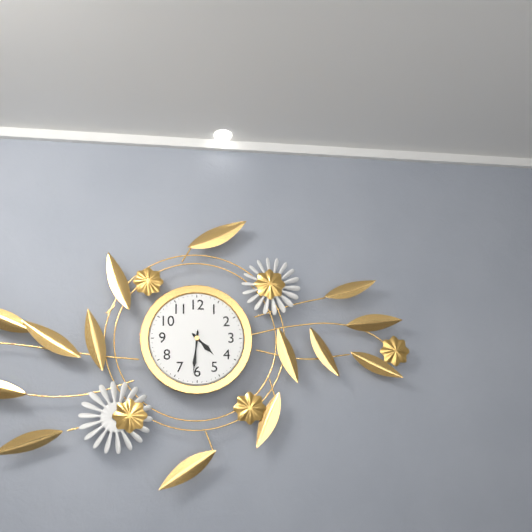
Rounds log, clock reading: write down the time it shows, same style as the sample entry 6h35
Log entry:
4h31
